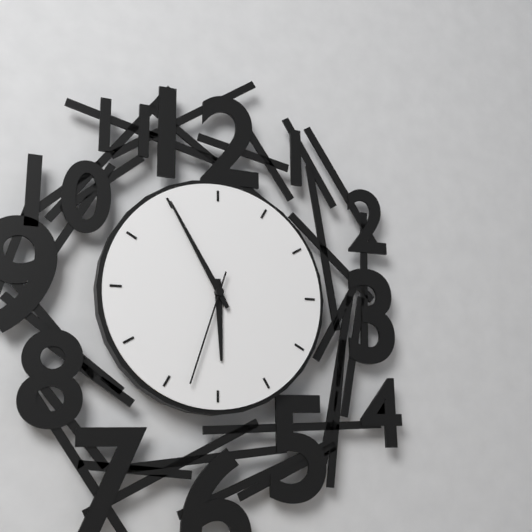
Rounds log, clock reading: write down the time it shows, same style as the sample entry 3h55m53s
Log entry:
5h55m33s
